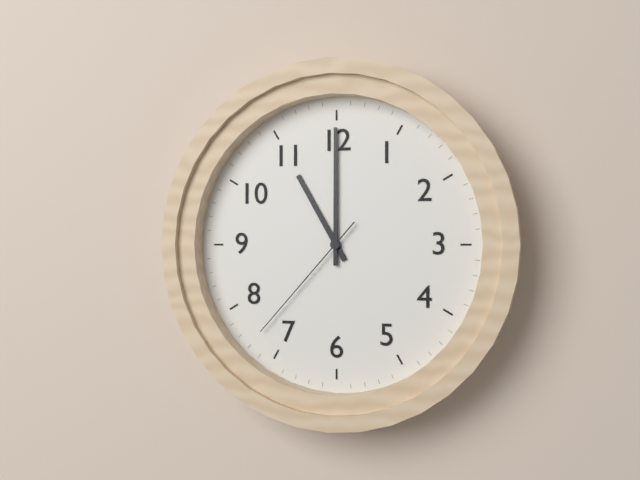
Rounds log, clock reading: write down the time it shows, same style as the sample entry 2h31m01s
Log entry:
11h00m37s
